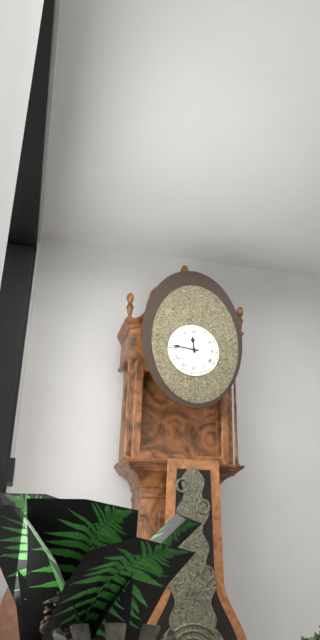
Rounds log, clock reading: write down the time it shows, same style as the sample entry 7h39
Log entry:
11h46
